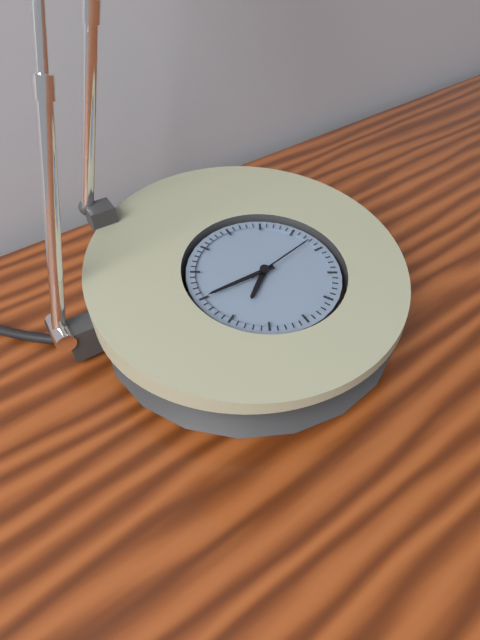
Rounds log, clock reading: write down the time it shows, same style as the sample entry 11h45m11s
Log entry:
7h45m13s
